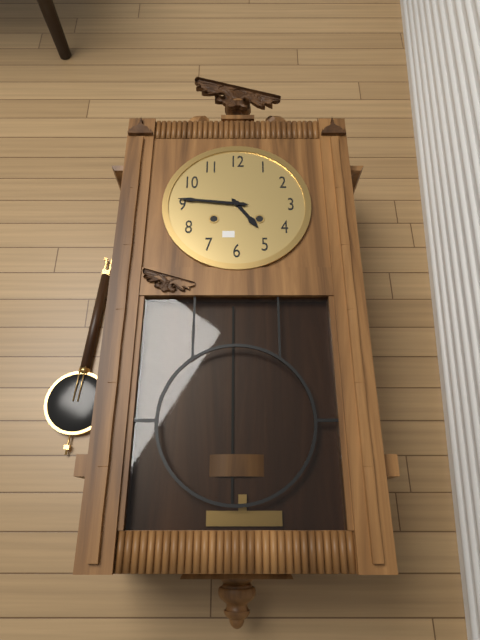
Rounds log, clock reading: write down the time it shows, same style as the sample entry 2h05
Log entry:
4h46
